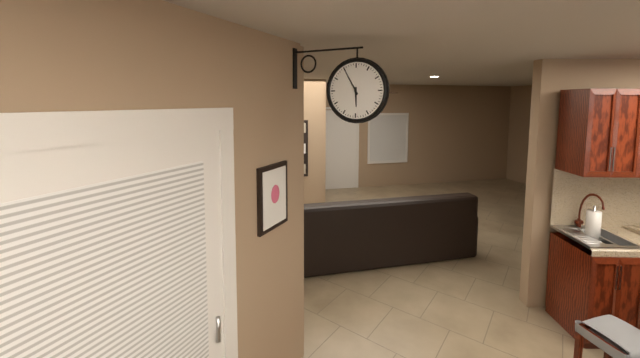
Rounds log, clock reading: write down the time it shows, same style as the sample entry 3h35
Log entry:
5h55
